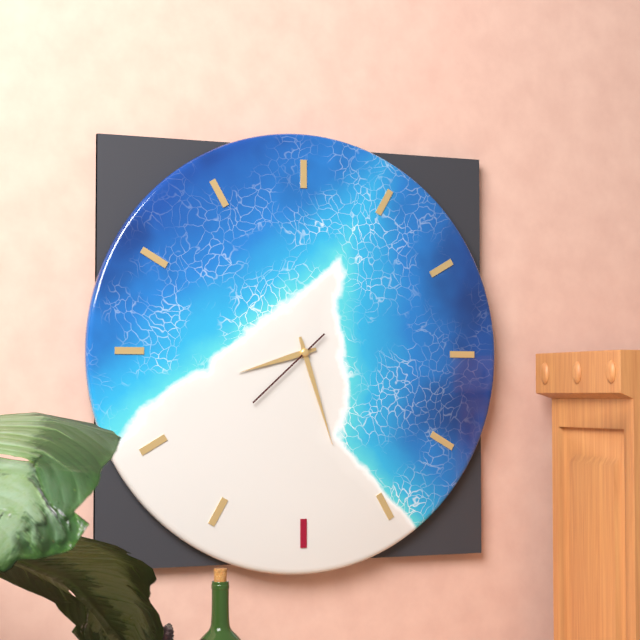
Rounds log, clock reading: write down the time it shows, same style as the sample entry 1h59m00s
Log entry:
8h27m38s
